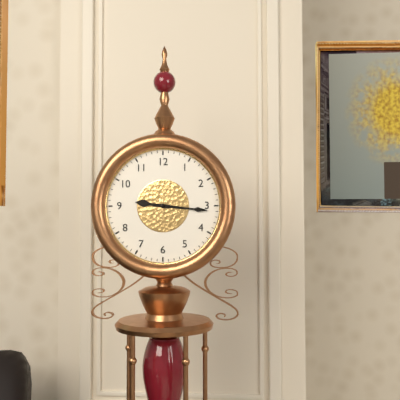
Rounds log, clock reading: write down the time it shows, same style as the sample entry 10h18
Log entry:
9h16
